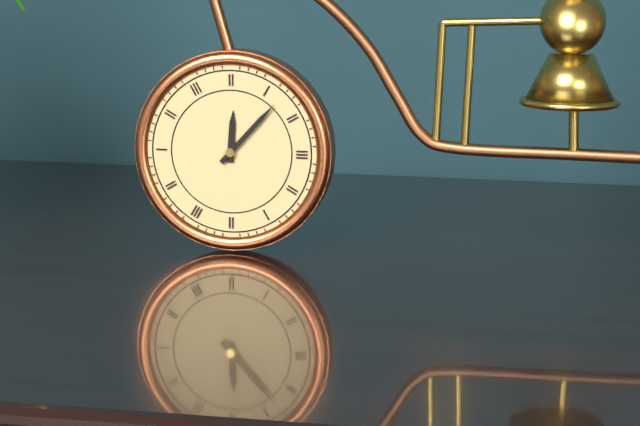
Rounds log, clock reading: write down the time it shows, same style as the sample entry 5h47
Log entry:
12h07
